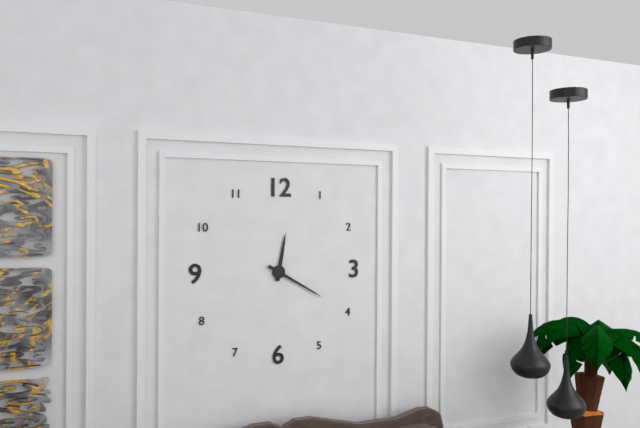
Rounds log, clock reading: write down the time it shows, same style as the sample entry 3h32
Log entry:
12h20
